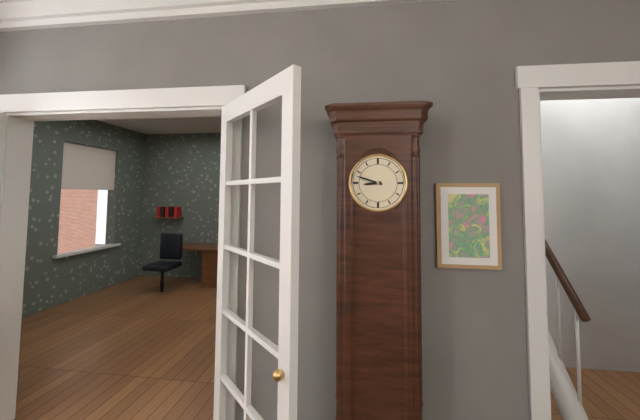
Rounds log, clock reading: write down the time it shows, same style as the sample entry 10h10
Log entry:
8h48
